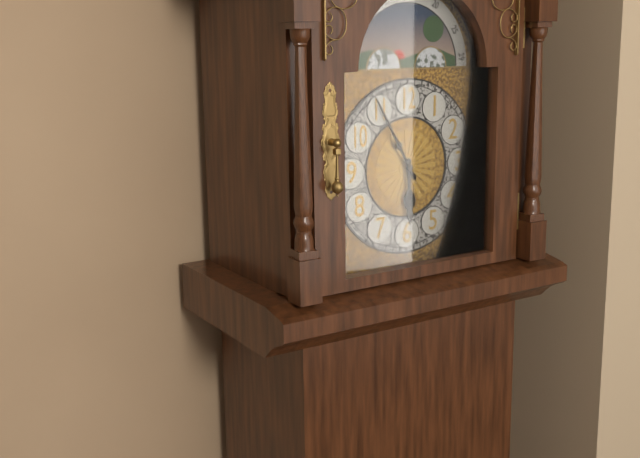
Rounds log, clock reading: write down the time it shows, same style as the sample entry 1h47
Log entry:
5h55
